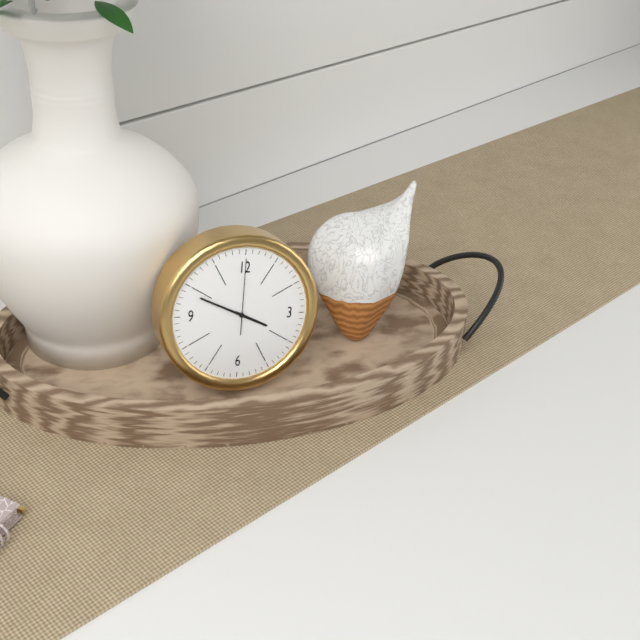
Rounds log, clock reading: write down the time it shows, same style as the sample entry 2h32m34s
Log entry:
3h49m00s
